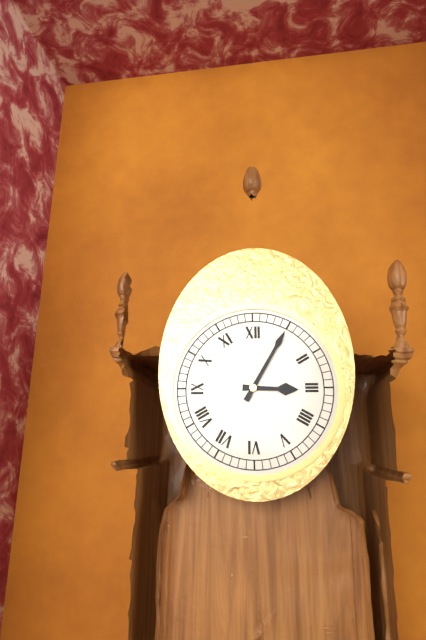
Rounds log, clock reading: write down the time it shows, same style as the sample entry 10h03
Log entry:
3h05
